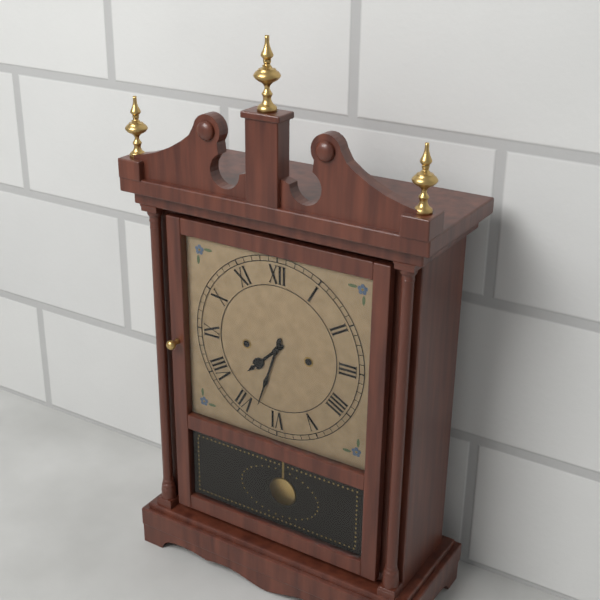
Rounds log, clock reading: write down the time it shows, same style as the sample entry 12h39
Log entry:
7h33
